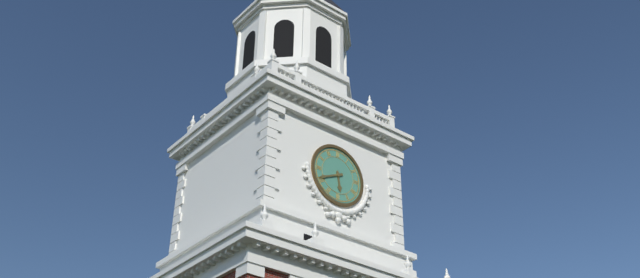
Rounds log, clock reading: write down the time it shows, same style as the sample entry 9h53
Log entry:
5h41
